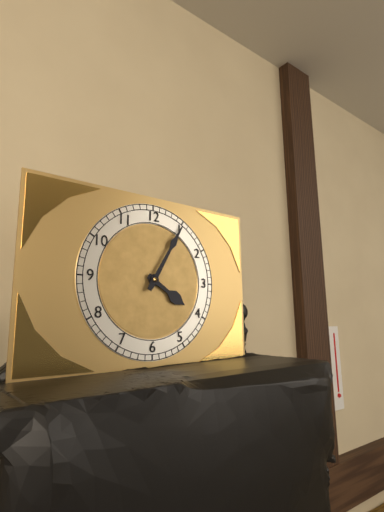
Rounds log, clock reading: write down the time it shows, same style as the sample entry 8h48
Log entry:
4h05
